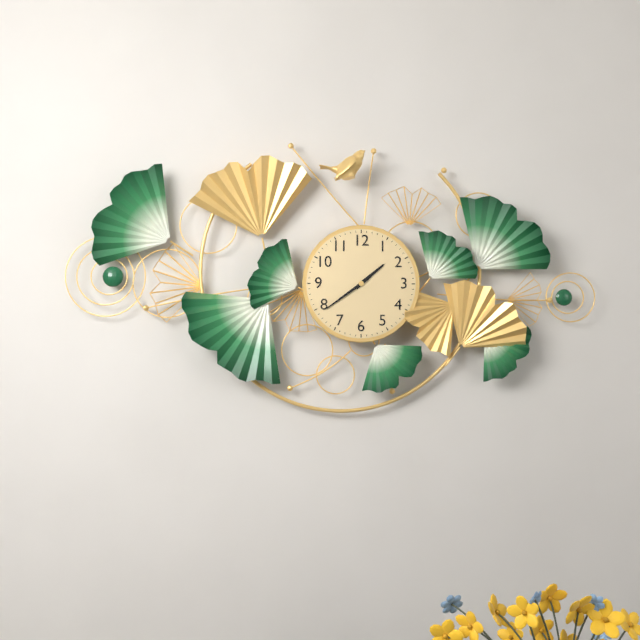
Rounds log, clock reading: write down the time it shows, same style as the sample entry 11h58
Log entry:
1h39
